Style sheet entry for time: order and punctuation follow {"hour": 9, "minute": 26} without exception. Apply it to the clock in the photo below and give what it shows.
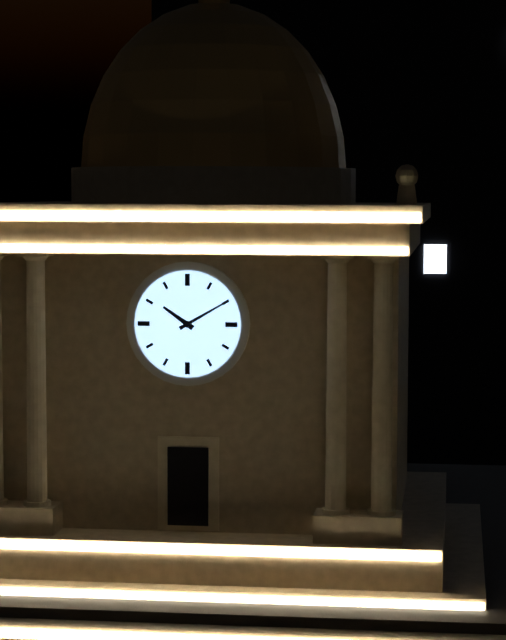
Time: {"hour": 10, "minute": 10}
